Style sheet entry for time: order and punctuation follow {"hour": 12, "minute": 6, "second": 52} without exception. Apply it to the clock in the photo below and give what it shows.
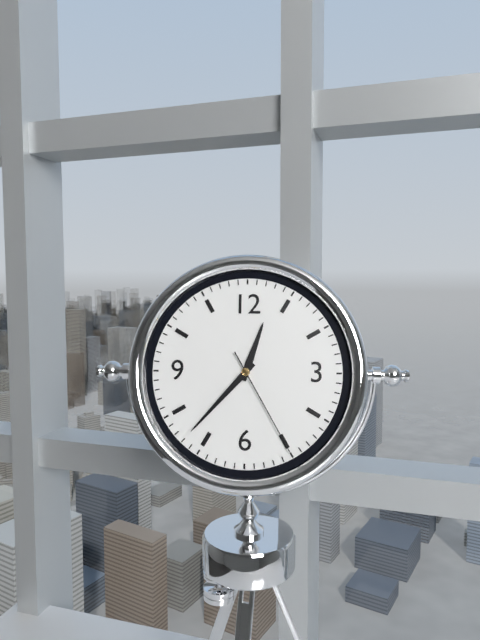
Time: {"hour": 12, "minute": 37, "second": 25}
